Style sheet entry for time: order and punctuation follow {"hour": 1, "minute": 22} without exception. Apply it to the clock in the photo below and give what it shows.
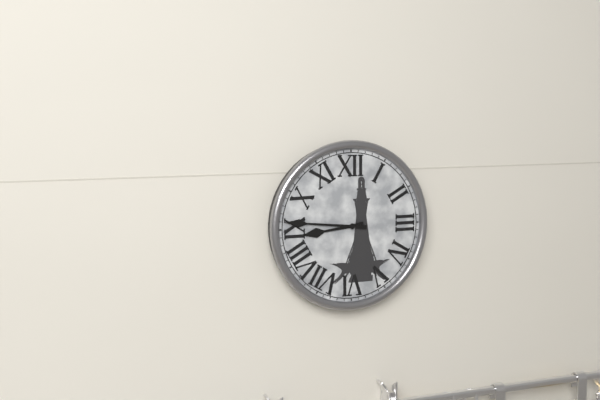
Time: {"hour": 8, "minute": 46}
